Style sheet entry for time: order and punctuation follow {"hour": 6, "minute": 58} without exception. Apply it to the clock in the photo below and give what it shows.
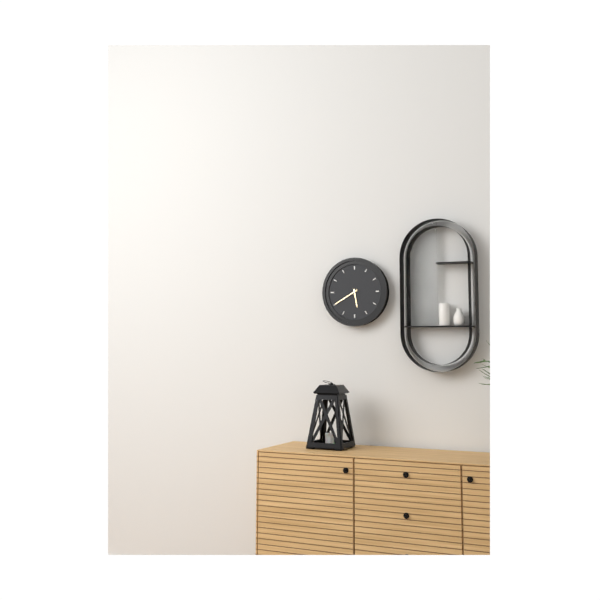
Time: {"hour": 5, "minute": 40}
